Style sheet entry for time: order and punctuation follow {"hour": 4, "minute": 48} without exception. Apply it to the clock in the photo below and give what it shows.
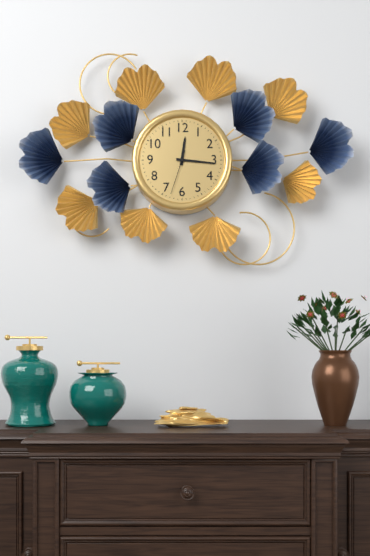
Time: {"hour": 12, "minute": 16}
